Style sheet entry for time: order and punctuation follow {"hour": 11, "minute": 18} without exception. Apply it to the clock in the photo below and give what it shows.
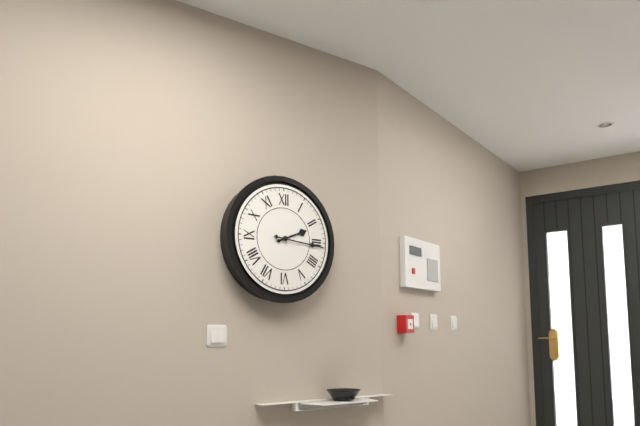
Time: {"hour": 2, "minute": 16}
